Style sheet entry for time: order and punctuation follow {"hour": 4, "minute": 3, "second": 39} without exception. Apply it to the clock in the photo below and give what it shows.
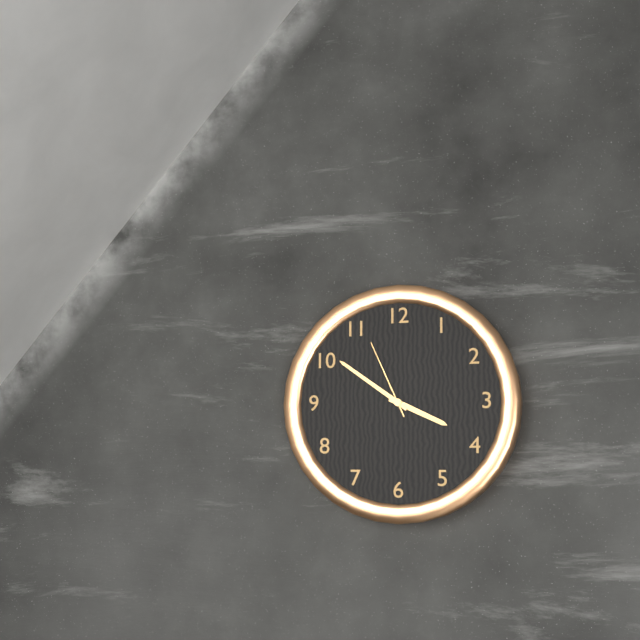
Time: {"hour": 3, "minute": 51, "second": 56}
